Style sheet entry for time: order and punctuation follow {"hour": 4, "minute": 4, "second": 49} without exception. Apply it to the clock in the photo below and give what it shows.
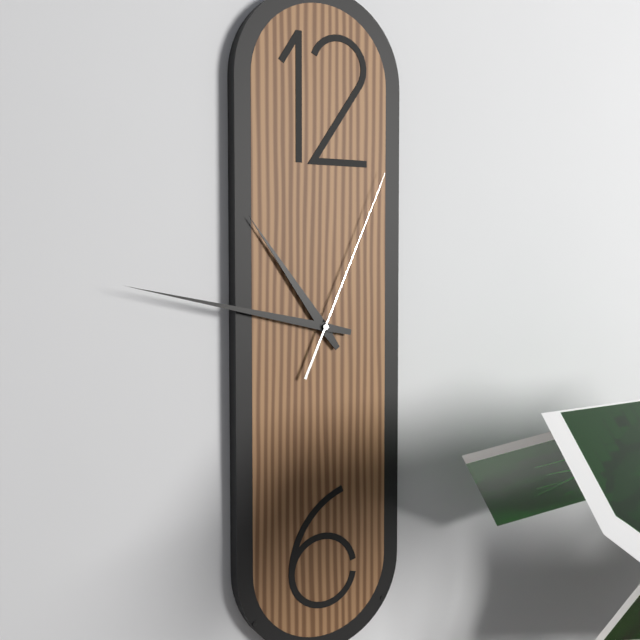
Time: {"hour": 10, "minute": 47, "second": 4}
